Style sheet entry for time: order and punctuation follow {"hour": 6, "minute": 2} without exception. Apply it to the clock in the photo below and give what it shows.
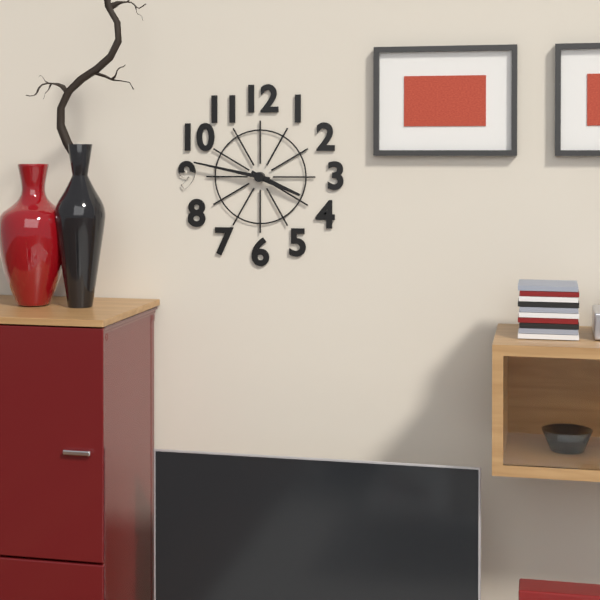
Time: {"hour": 3, "minute": 47}
